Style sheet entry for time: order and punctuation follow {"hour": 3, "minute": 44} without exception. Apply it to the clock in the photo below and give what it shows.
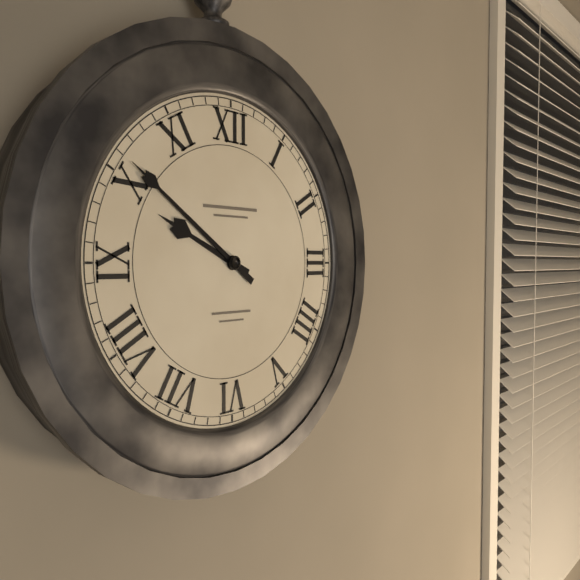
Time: {"hour": 9, "minute": 51}
